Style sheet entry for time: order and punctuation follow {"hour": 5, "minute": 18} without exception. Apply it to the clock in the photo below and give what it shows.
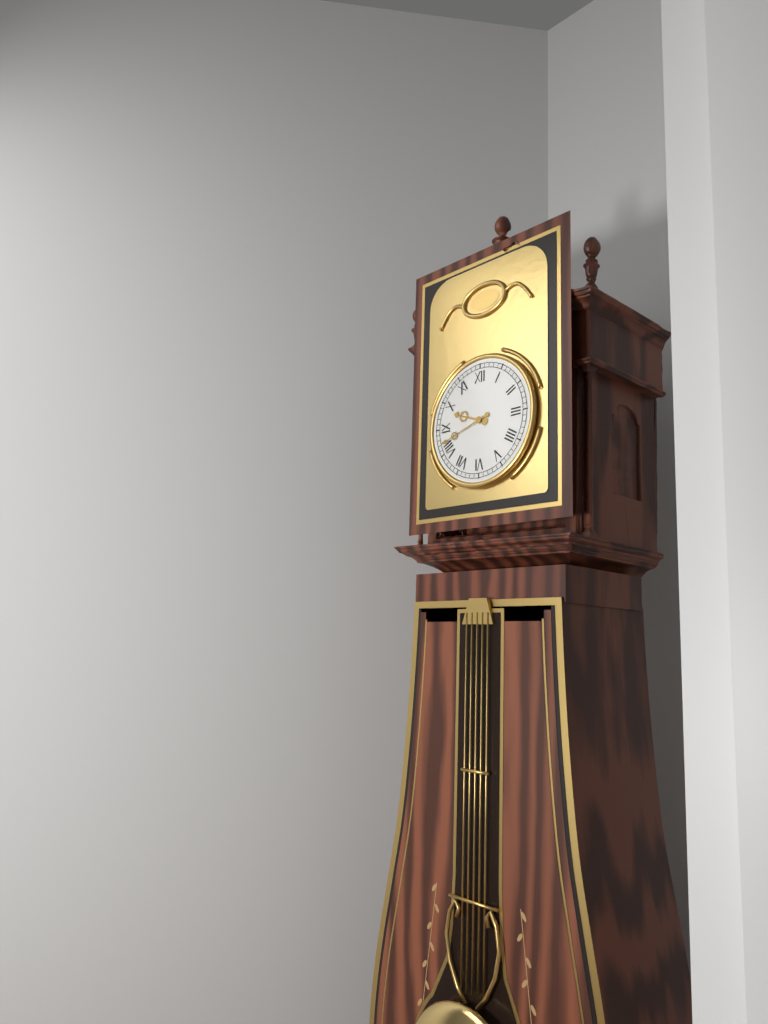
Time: {"hour": 9, "minute": 42}
